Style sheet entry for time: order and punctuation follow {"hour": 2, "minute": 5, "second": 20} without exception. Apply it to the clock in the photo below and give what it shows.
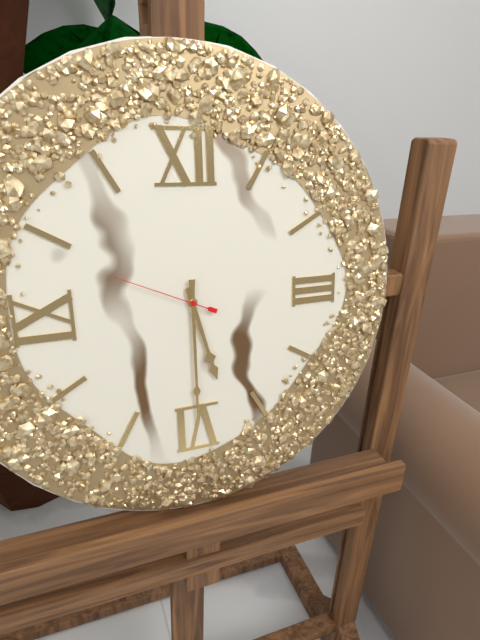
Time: {"hour": 5, "minute": 30, "second": 49}
